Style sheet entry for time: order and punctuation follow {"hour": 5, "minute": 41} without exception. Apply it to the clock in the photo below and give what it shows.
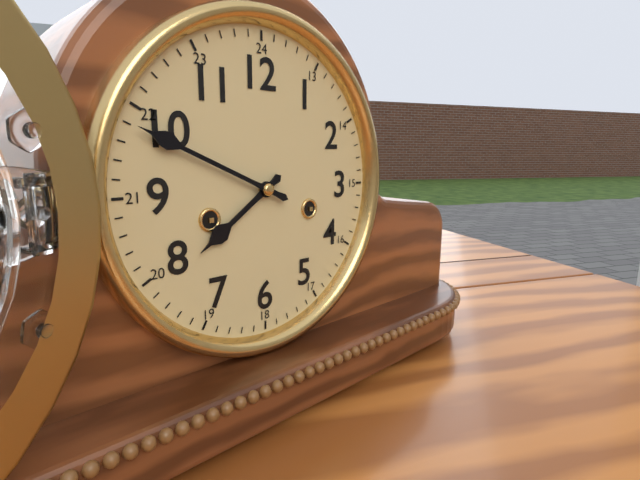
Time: {"hour": 7, "minute": 49}
